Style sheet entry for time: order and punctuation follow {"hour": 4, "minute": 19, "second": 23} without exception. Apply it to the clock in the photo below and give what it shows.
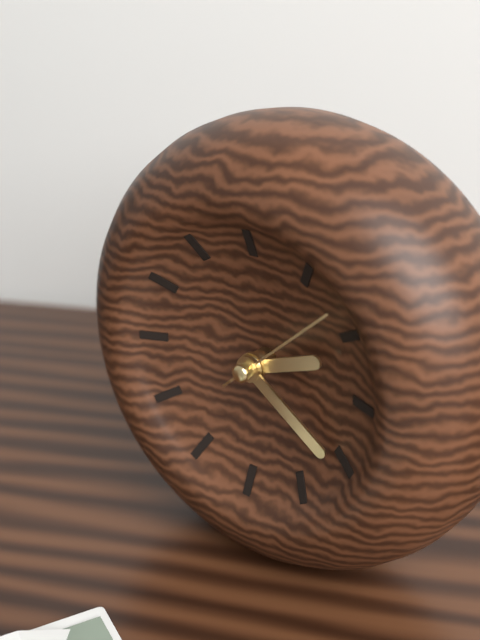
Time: {"hour": 2, "minute": 21, "second": 8}
